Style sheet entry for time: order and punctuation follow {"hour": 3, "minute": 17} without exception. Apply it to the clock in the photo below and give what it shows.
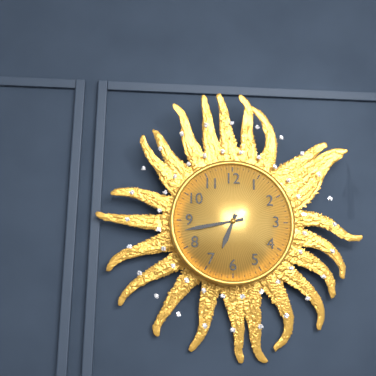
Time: {"hour": 6, "minute": 43}
